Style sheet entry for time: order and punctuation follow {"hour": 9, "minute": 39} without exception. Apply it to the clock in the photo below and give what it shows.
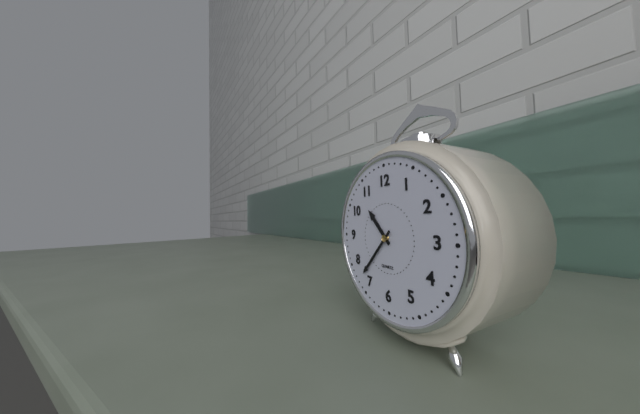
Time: {"hour": 10, "minute": 37}
